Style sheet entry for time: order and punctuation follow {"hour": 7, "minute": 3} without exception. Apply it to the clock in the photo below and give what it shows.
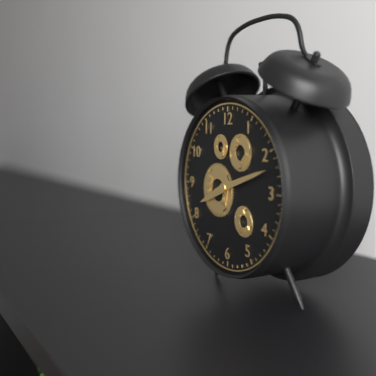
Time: {"hour": 8, "minute": 12}
